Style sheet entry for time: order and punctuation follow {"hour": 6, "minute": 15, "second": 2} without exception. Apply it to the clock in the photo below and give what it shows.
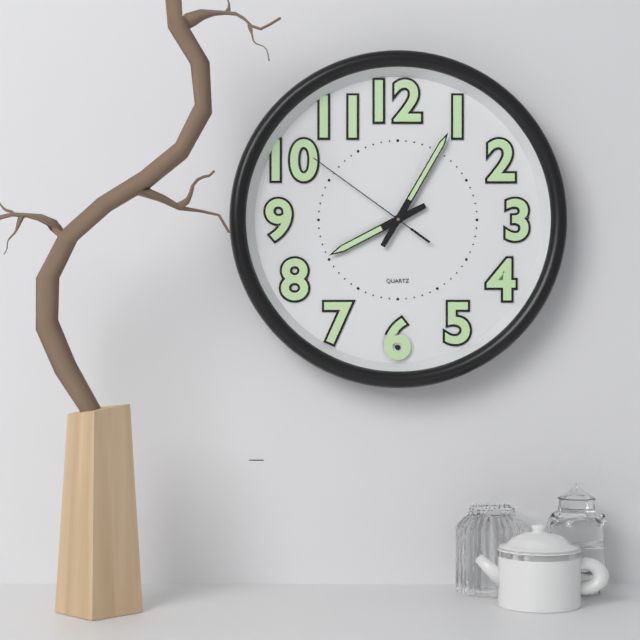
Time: {"hour": 8, "minute": 5, "second": 51}
